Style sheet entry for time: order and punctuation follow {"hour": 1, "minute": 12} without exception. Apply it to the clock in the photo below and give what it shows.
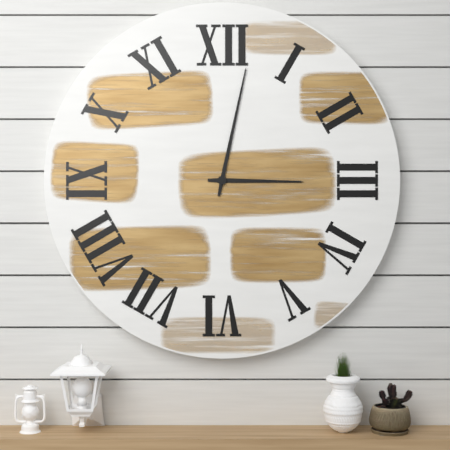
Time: {"hour": 3, "minute": 2}
